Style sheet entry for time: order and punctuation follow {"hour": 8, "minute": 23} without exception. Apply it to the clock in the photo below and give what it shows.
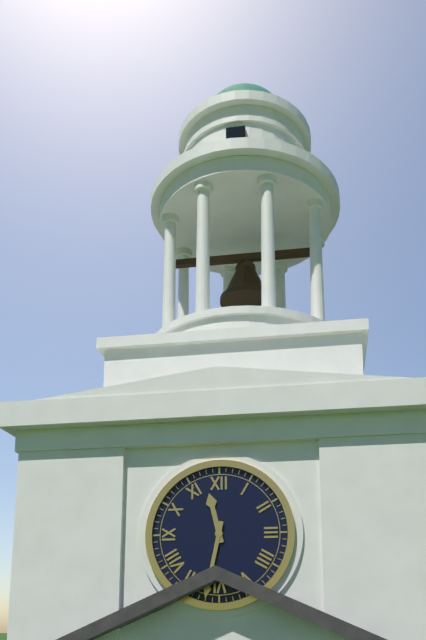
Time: {"hour": 11, "minute": 32}
